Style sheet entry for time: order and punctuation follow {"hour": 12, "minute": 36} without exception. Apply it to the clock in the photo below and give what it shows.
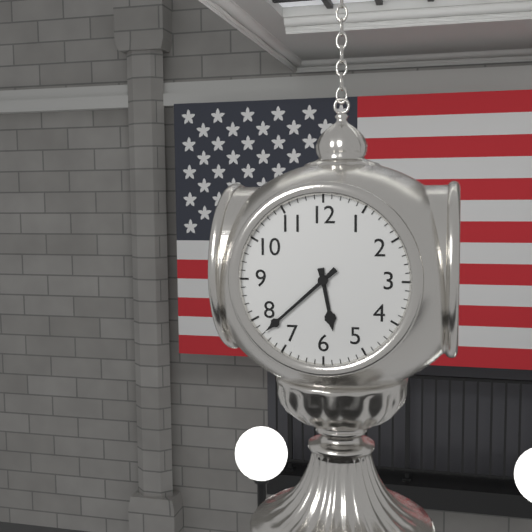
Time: {"hour": 5, "minute": 38}
